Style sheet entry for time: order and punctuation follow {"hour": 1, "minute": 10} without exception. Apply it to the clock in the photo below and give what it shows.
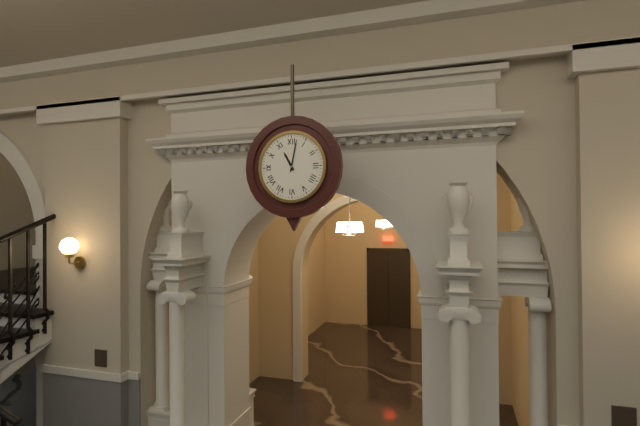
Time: {"hour": 11, "minute": 2}
